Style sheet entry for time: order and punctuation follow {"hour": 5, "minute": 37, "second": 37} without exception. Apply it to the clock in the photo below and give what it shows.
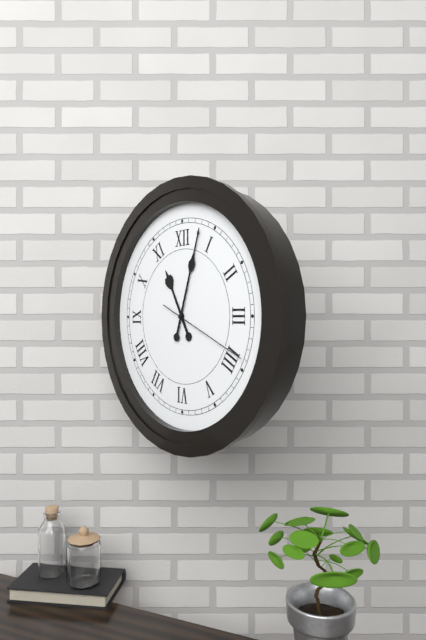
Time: {"hour": 11, "minute": 3, "second": 19}
